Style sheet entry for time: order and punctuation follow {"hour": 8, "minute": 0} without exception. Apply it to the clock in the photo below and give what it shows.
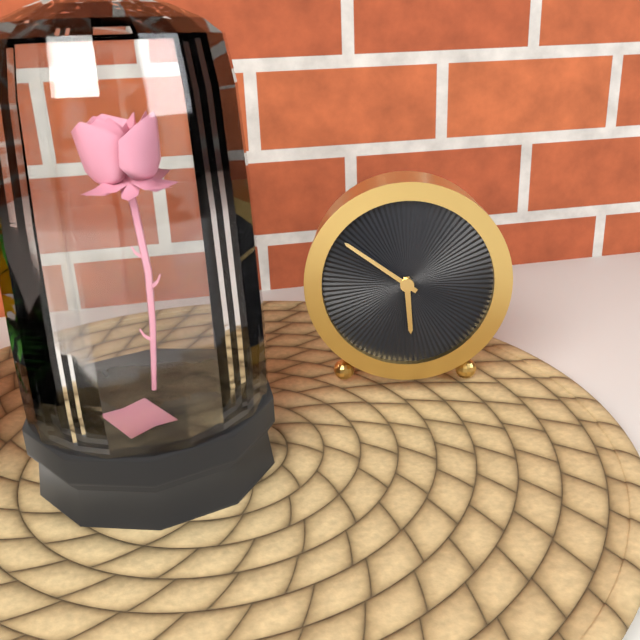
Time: {"hour": 5, "minute": 51}
